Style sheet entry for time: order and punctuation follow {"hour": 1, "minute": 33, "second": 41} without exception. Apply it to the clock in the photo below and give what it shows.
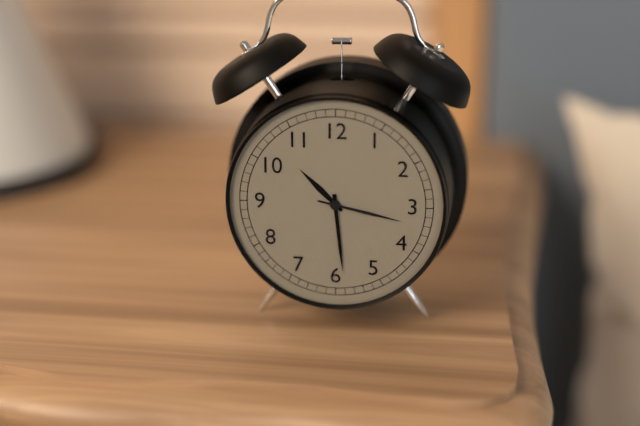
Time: {"hour": 10, "minute": 29, "second": 17}
